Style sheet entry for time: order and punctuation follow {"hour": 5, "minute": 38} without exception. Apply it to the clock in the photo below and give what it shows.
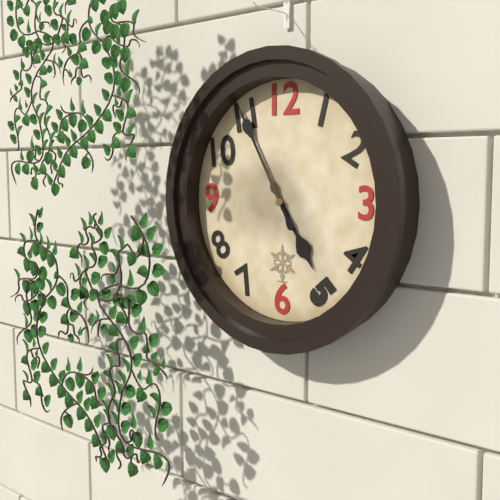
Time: {"hour": 4, "minute": 55}
